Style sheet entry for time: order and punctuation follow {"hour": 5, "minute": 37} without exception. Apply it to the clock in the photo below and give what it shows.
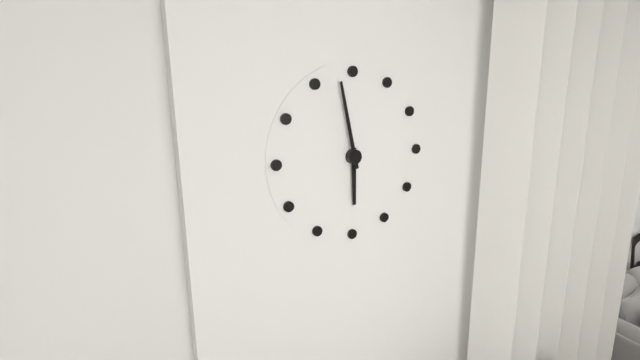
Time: {"hour": 5, "minute": 58}
